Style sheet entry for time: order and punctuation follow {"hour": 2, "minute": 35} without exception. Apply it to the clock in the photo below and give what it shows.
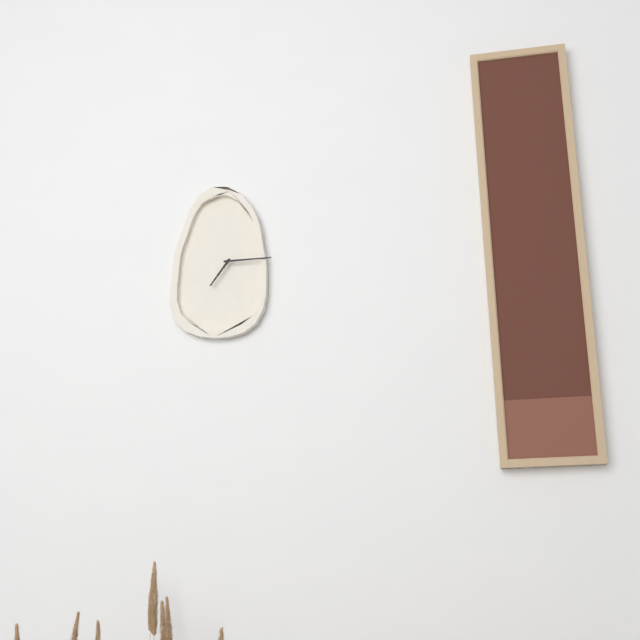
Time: {"hour": 7, "minute": 15}
